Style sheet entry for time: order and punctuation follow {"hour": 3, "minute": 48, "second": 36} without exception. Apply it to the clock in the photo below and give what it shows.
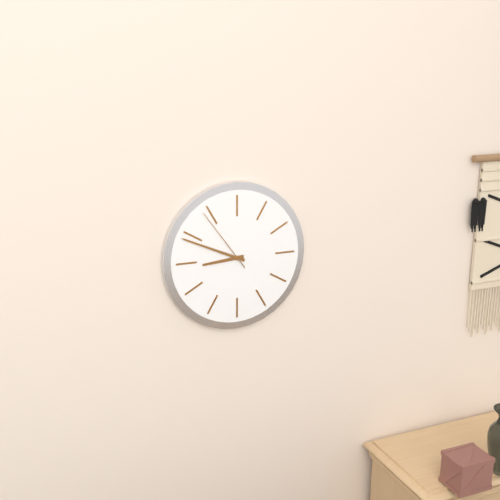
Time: {"hour": 8, "minute": 49, "second": 54}
